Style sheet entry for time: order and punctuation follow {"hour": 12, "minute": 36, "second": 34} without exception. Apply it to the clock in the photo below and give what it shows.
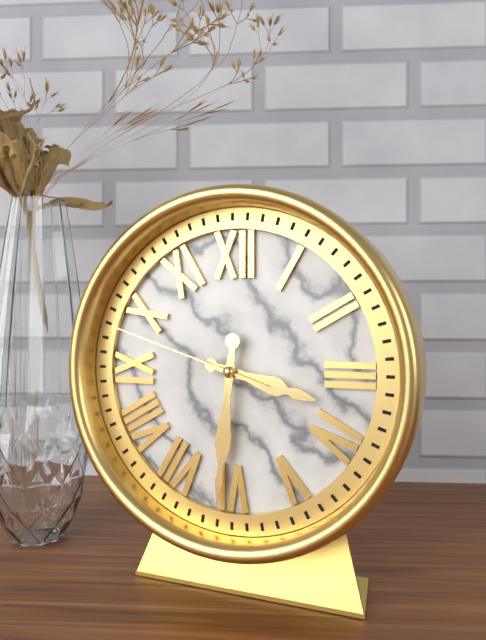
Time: {"hour": 3, "minute": 31, "second": 48}
